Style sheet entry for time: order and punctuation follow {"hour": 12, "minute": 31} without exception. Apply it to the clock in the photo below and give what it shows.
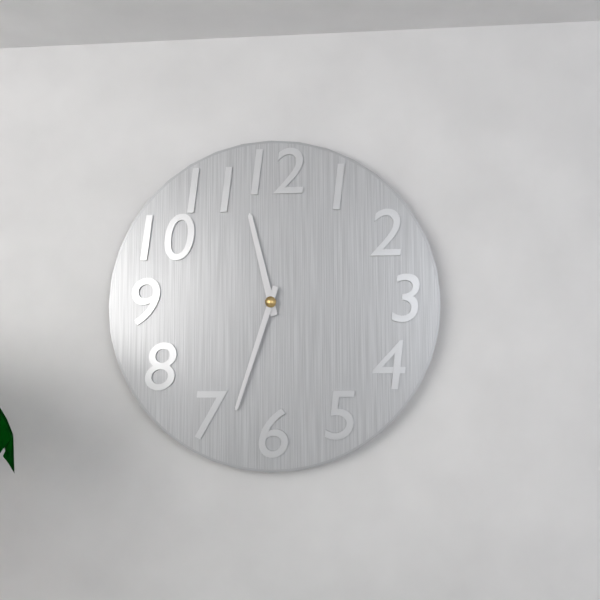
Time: {"hour": 11, "minute": 33}
